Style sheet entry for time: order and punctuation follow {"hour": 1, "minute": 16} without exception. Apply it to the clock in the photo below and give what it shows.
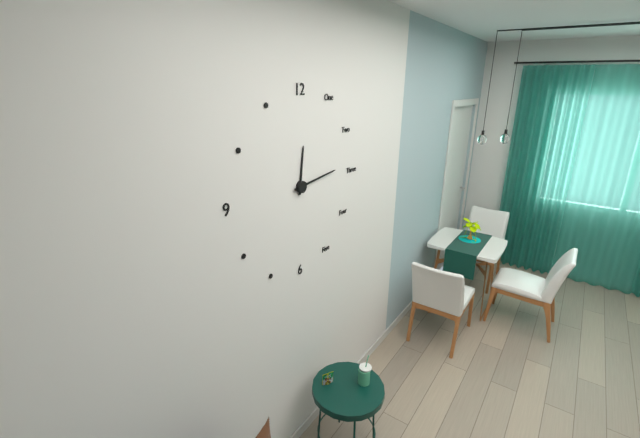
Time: {"hour": 12, "minute": 14}
